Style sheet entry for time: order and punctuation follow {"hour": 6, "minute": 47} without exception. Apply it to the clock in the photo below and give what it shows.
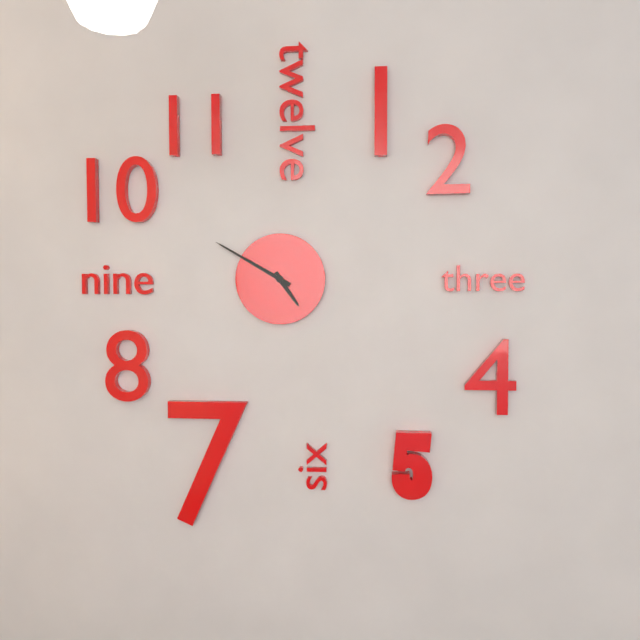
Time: {"hour": 4, "minute": 50}
